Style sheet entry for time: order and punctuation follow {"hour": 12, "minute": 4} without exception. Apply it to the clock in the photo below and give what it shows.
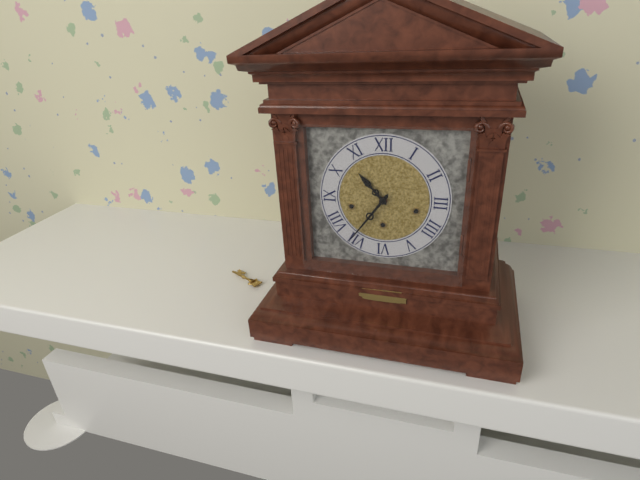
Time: {"hour": 10, "minute": 36}
